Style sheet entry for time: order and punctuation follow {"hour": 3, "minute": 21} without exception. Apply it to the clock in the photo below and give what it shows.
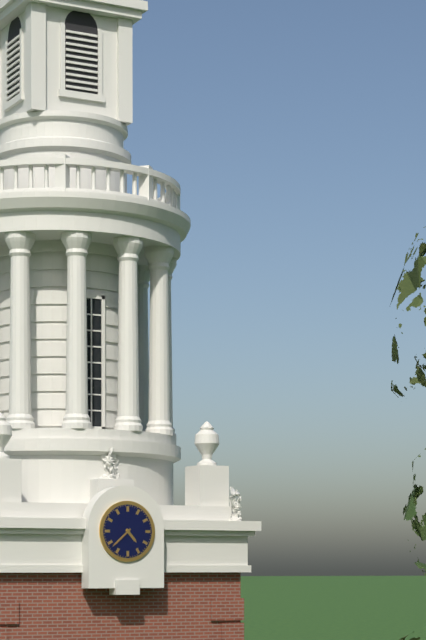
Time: {"hour": 4, "minute": 38}
